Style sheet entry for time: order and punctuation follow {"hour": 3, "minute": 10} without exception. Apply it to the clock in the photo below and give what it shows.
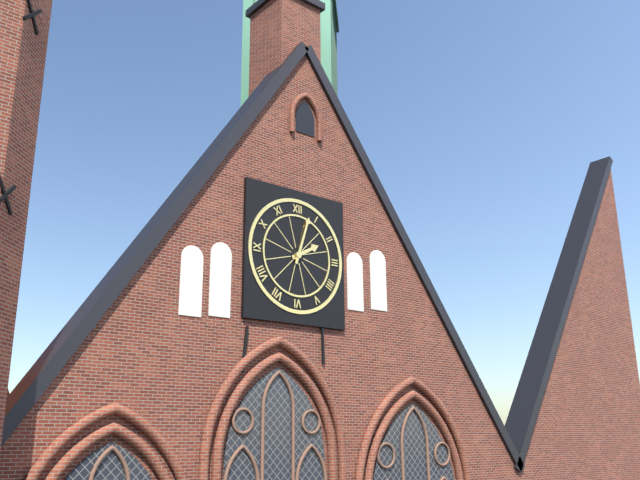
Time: {"hour": 2, "minute": 3}
